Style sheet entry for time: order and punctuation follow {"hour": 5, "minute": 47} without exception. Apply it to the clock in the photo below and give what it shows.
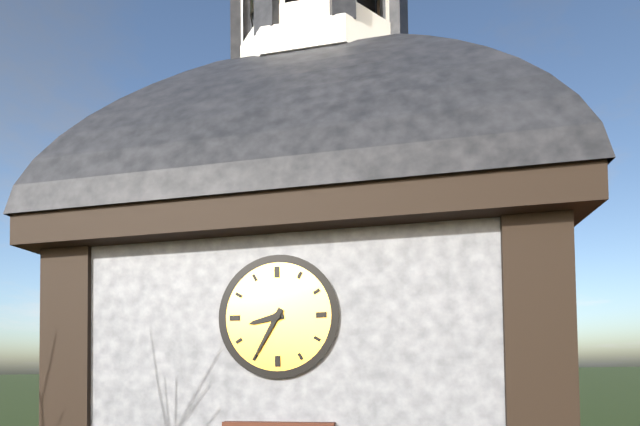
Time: {"hour": 8, "minute": 35}
